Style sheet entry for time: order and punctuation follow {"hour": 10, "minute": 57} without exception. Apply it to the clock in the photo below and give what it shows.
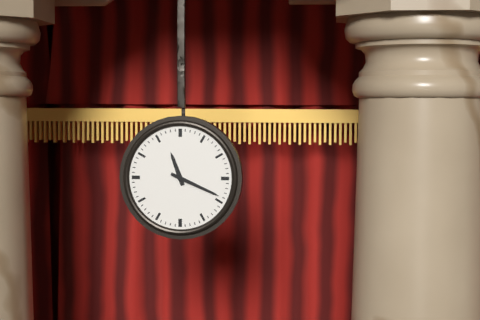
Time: {"hour": 11, "minute": 19}
